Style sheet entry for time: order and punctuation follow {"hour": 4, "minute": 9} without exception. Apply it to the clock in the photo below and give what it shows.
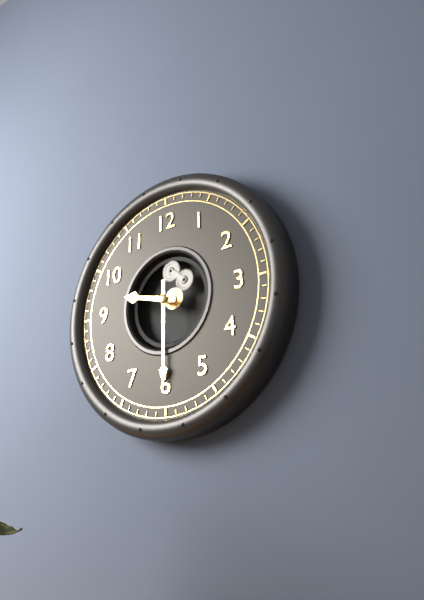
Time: {"hour": 9, "minute": 30}
